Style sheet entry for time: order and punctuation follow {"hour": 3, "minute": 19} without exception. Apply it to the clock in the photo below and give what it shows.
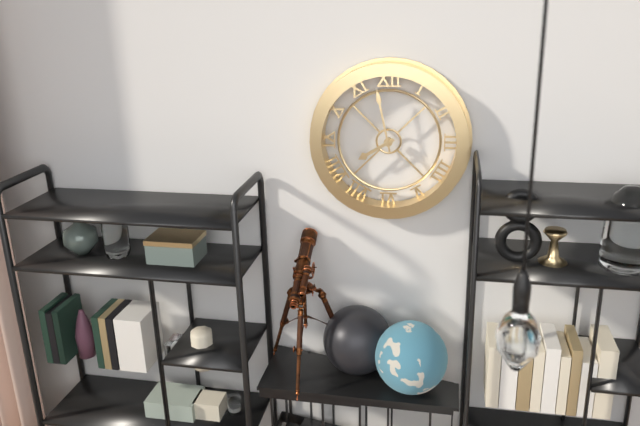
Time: {"hour": 7, "minute": 58}
